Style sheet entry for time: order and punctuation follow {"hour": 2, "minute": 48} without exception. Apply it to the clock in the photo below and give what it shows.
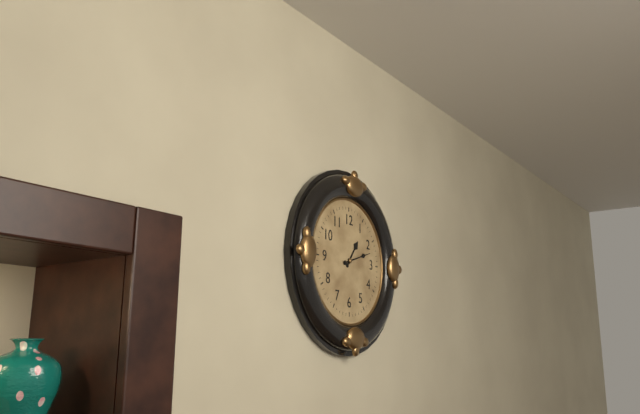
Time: {"hour": 1, "minute": 12}
